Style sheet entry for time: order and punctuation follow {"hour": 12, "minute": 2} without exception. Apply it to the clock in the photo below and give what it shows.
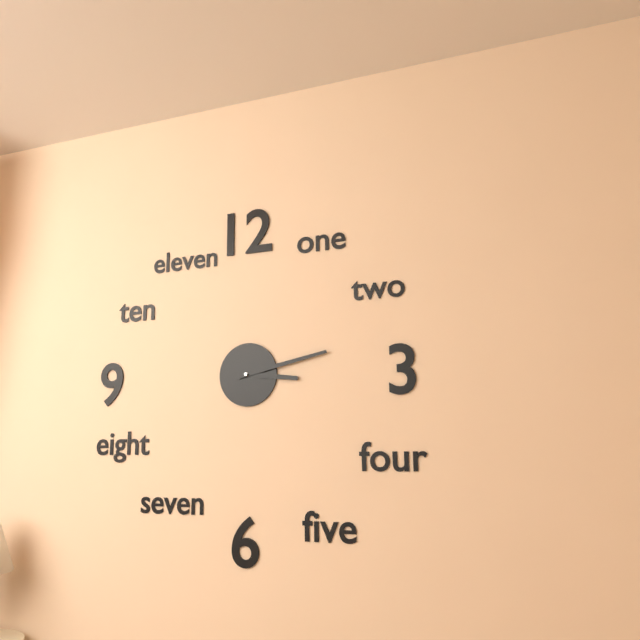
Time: {"hour": 3, "minute": 13}
